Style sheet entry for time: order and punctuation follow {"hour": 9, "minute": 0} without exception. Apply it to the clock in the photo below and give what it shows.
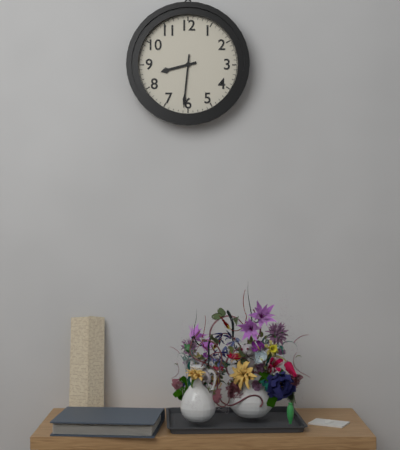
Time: {"hour": 8, "minute": 31}
